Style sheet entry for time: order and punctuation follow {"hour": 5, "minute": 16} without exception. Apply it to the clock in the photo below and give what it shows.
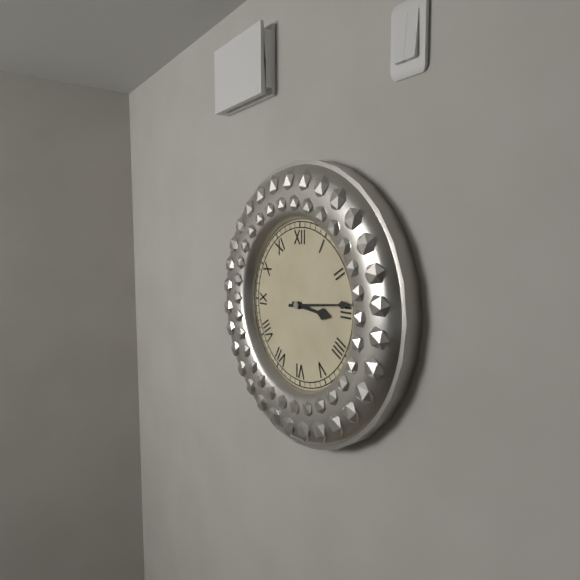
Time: {"hour": 3, "minute": 14}
